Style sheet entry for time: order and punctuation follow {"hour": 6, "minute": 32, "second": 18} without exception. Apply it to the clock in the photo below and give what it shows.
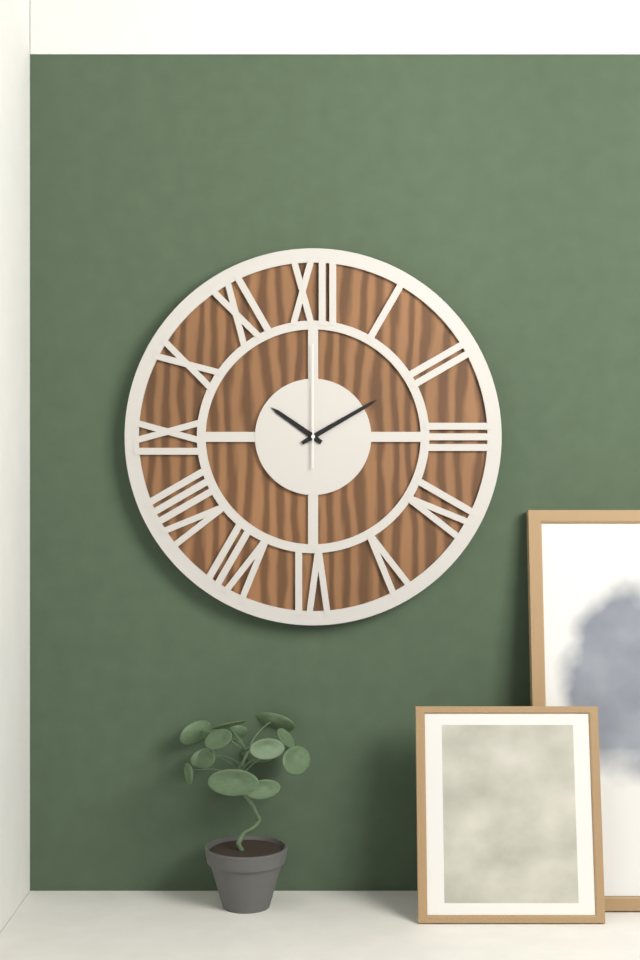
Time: {"hour": 10, "minute": 10, "second": 0}
